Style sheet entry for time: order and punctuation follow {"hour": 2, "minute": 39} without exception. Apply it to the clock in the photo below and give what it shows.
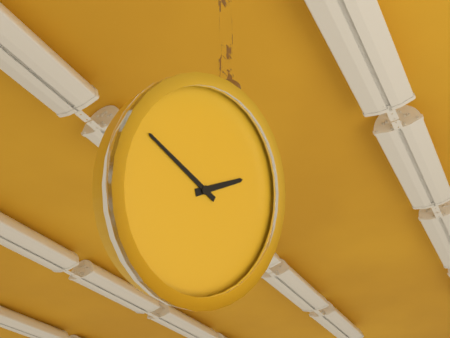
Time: {"hour": 1, "minute": 47}
